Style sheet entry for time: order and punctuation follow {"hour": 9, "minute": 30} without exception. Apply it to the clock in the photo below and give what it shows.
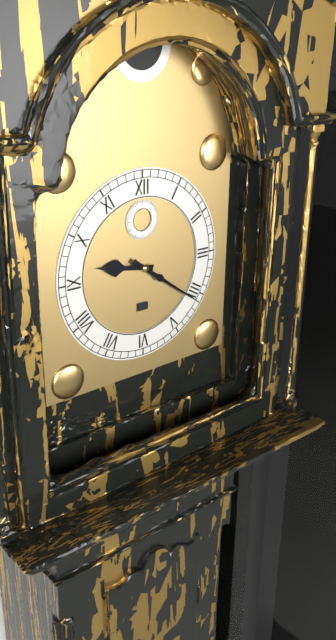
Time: {"hour": 9, "minute": 21}
